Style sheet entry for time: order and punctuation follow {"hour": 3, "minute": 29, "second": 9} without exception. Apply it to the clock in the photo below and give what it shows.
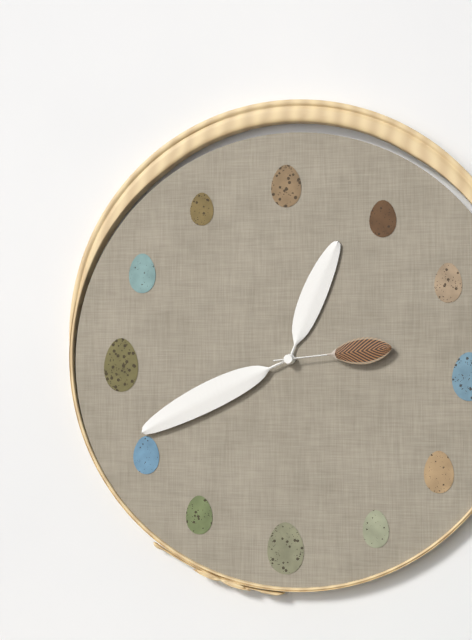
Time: {"hour": 12, "minute": 41, "second": 14}
